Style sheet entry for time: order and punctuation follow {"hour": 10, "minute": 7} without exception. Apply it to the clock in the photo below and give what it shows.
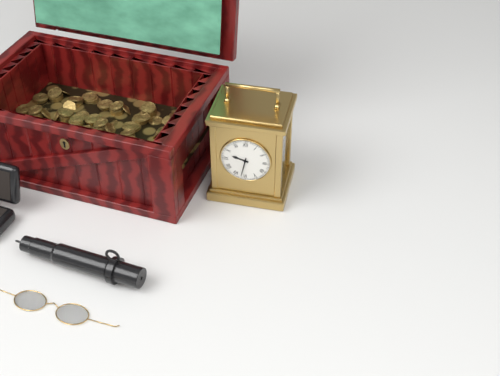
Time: {"hour": 9, "minute": 32}
